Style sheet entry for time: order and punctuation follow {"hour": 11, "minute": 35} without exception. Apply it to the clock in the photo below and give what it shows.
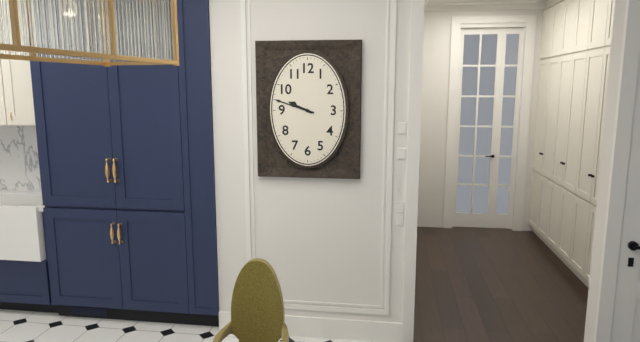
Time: {"hour": 9, "minute": 48}
